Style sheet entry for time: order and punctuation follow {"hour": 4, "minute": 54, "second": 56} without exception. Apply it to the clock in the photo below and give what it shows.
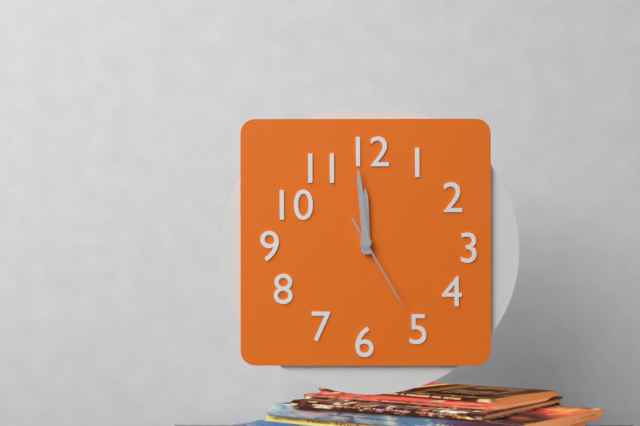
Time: {"hour": 11, "minute": 59, "second": 25}
